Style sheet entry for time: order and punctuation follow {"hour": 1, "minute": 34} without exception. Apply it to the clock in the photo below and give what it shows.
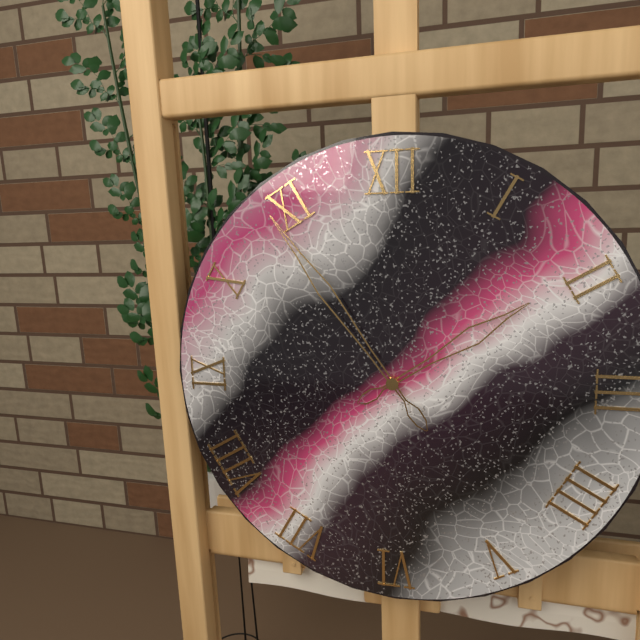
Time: {"hour": 1, "minute": 54}
